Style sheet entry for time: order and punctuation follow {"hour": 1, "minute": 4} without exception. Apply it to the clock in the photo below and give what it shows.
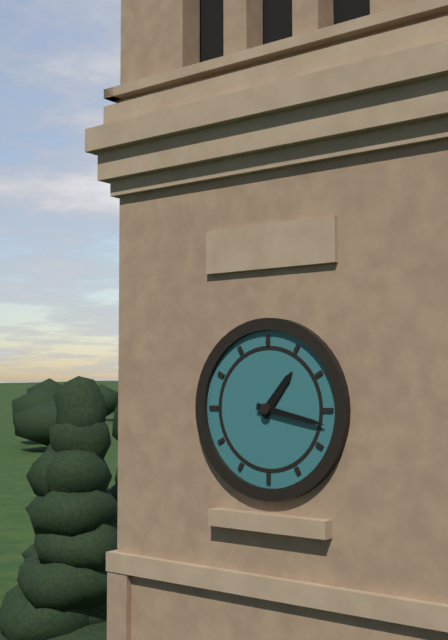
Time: {"hour": 1, "minute": 17}
